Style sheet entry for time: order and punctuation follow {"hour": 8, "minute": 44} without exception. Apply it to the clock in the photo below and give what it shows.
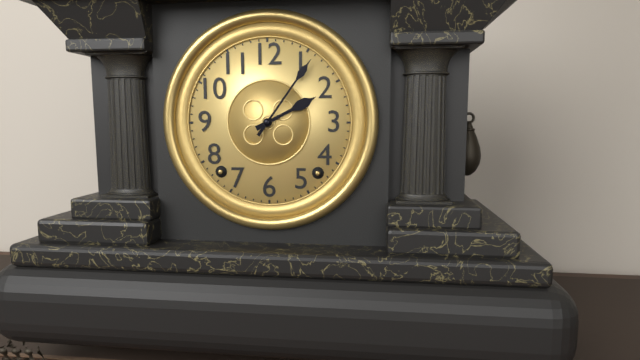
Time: {"hour": 2, "minute": 6}
